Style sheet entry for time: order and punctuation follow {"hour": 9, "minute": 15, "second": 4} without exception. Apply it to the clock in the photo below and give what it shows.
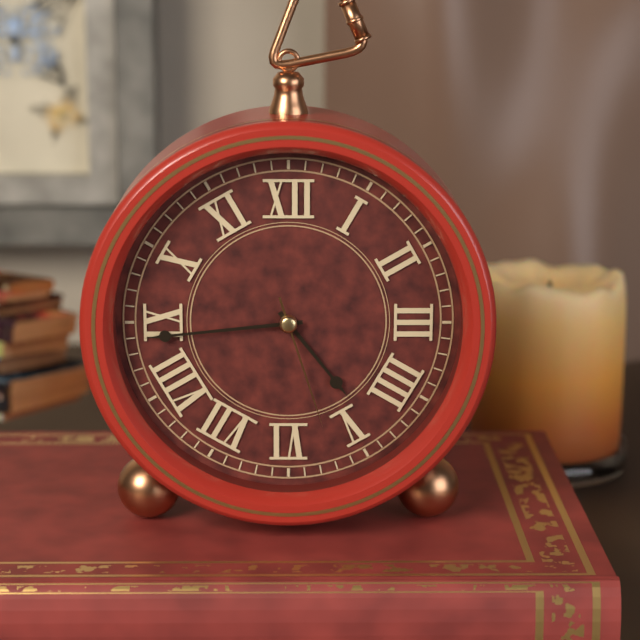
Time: {"hour": 4, "minute": 44, "second": 27}
